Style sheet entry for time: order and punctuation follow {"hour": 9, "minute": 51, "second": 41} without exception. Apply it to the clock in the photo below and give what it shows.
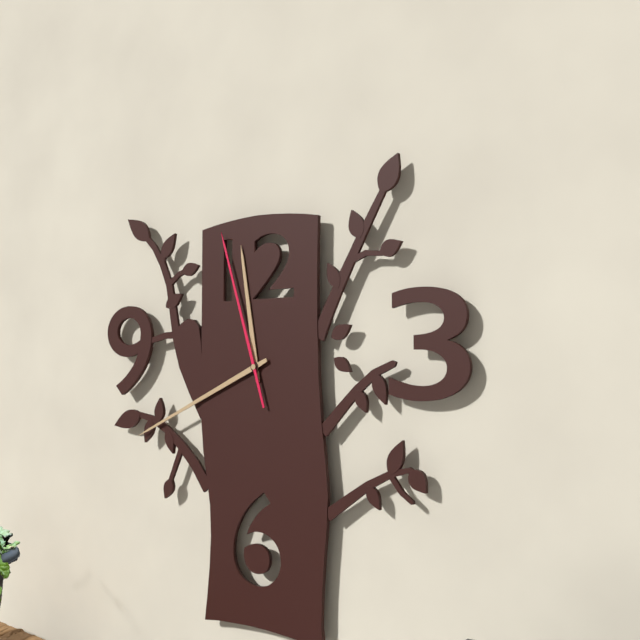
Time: {"hour": 11, "minute": 41, "second": 57}
